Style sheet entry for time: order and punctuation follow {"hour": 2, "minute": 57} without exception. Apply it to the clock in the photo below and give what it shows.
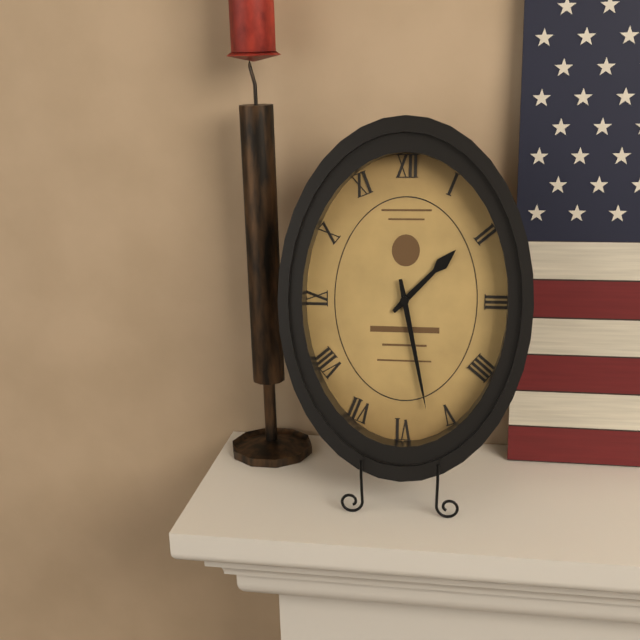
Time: {"hour": 1, "minute": 28}
